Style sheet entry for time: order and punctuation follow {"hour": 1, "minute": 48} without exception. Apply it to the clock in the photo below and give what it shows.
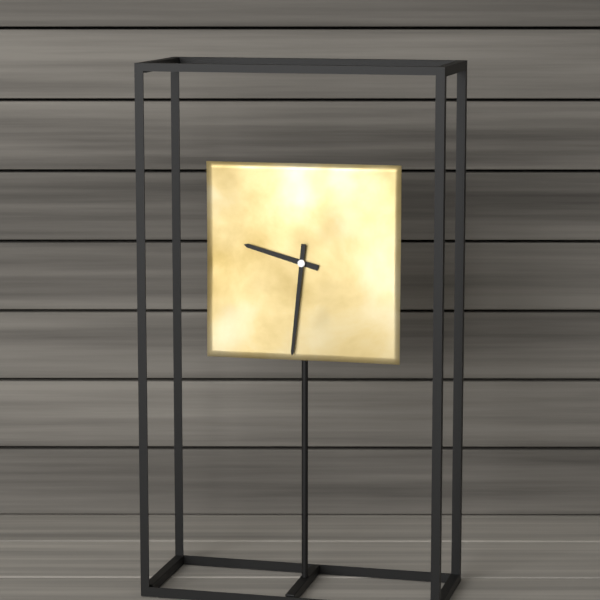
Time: {"hour": 9, "minute": 31}
